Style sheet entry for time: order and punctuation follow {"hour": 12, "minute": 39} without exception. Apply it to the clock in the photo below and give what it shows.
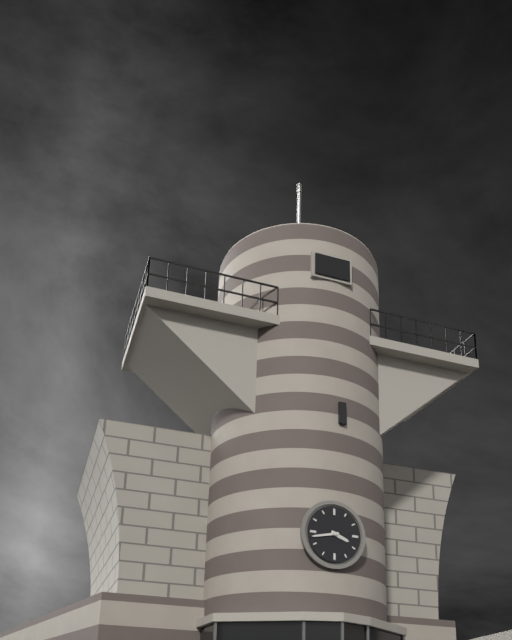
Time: {"hour": 3, "minute": 43}
